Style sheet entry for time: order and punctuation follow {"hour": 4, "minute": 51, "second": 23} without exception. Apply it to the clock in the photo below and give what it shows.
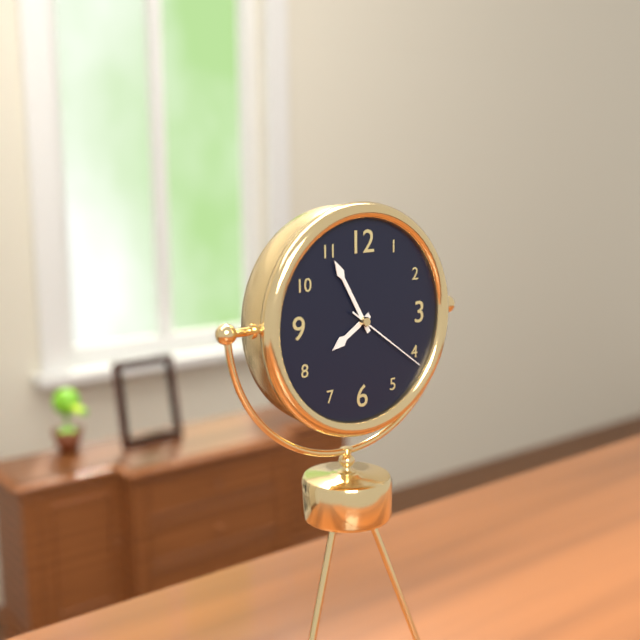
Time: {"hour": 7, "minute": 55, "second": 21}
